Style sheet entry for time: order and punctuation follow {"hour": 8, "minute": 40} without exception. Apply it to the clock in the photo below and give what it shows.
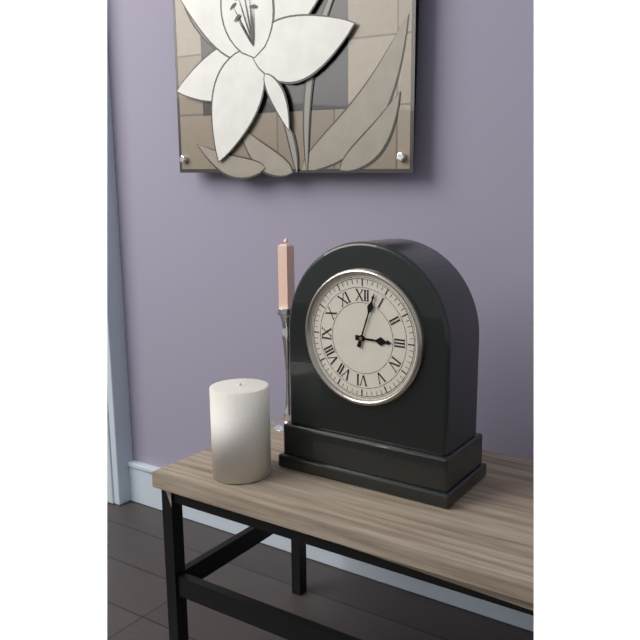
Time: {"hour": 3, "minute": 3}
